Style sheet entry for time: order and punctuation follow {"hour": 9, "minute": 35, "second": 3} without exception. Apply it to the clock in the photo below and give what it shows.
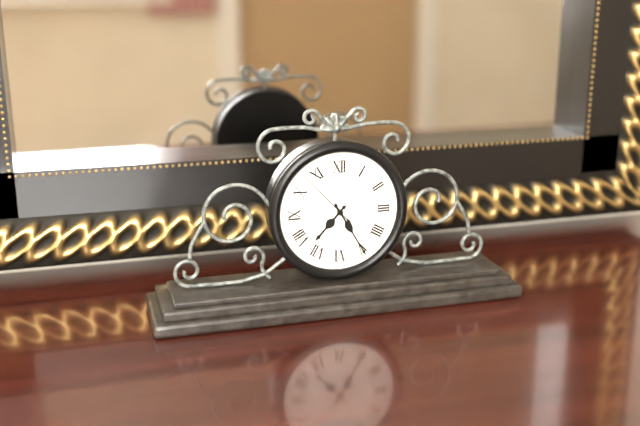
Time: {"hour": 7, "minute": 25, "second": 53}
